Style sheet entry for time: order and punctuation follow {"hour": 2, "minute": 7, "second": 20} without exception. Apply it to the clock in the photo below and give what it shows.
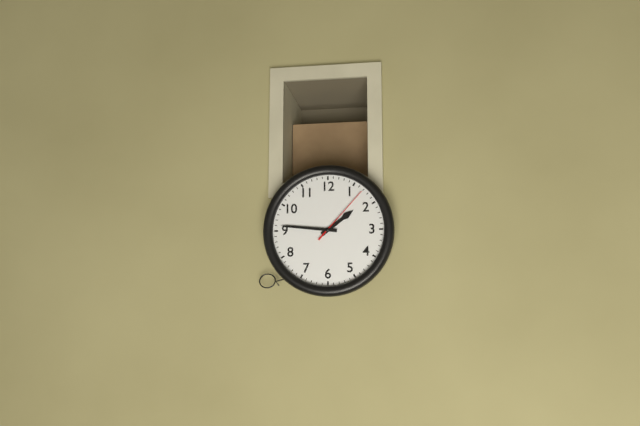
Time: {"hour": 1, "minute": 46, "second": 7}
